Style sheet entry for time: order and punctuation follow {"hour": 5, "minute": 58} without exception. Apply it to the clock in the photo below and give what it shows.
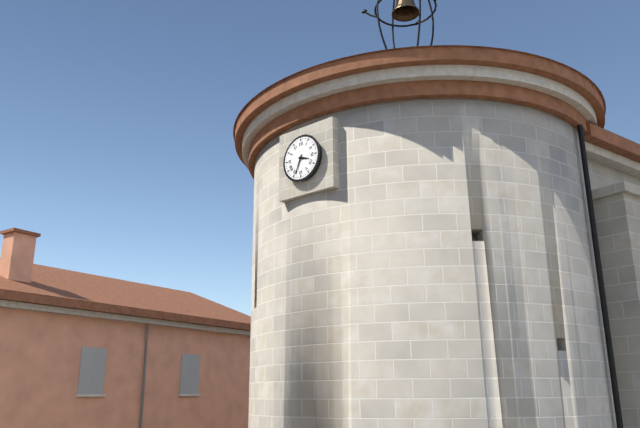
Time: {"hour": 3, "minute": 34}
